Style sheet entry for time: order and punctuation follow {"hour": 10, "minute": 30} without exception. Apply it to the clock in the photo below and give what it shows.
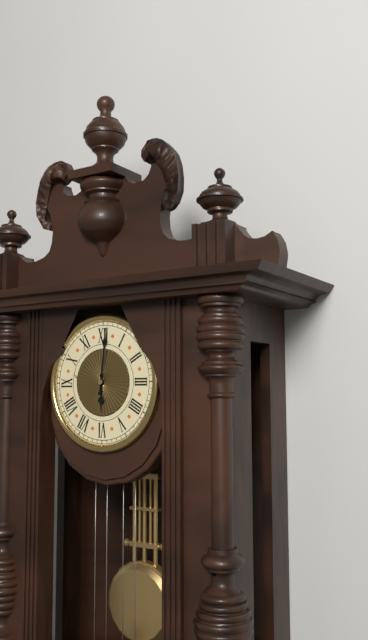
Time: {"hour": 6, "minute": 1}
